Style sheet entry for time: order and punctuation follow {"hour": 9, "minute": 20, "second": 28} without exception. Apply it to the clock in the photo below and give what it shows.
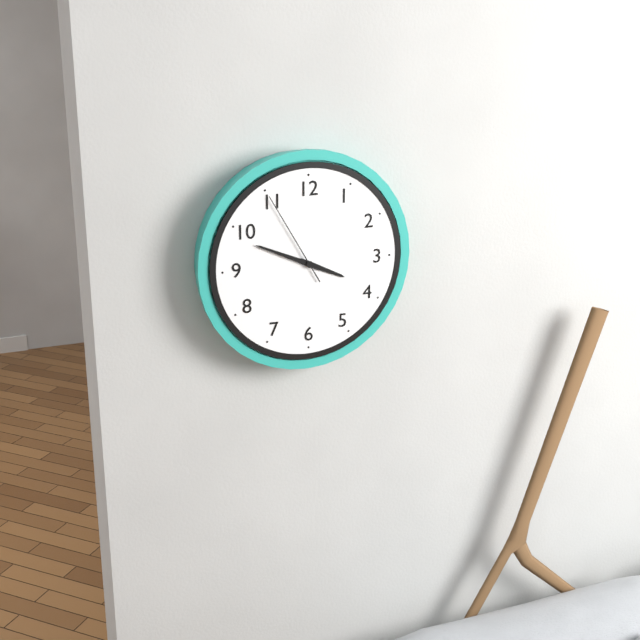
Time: {"hour": 3, "minute": 49, "second": 55}
